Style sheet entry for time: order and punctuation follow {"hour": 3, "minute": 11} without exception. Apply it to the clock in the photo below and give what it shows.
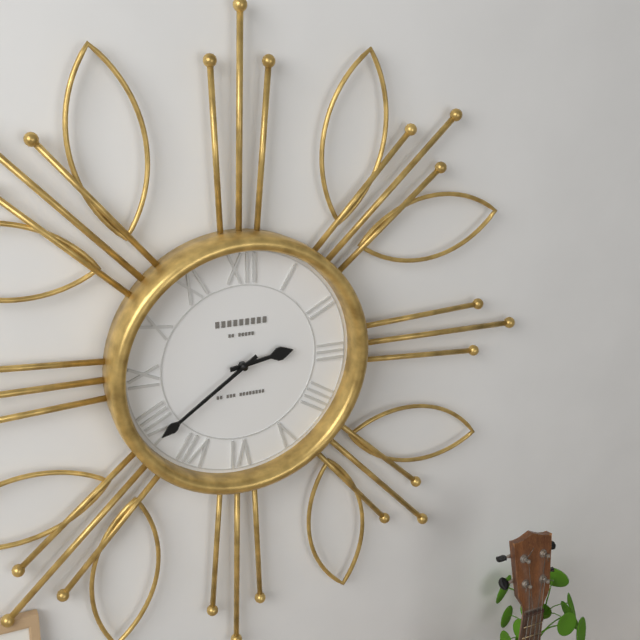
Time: {"hour": 2, "minute": 39}
